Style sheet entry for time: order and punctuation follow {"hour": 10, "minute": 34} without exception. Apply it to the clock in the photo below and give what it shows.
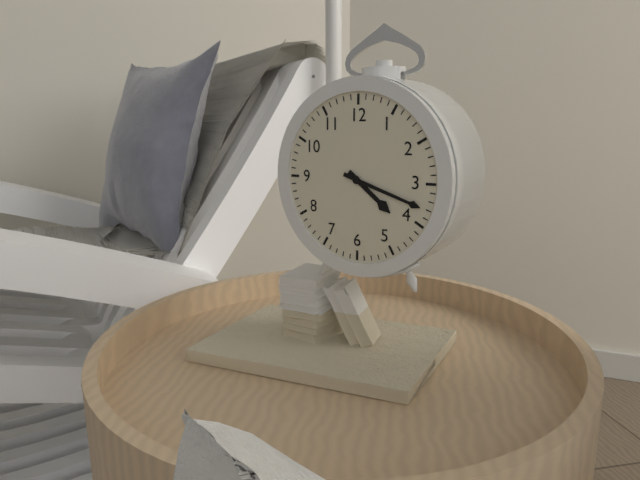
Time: {"hour": 4, "minute": 18}
